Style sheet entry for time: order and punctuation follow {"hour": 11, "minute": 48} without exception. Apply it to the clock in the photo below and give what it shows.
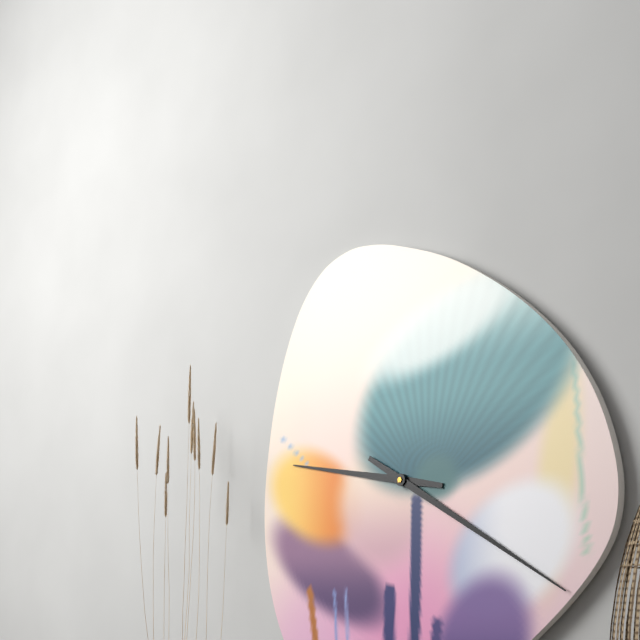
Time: {"hour": 9, "minute": 20}
